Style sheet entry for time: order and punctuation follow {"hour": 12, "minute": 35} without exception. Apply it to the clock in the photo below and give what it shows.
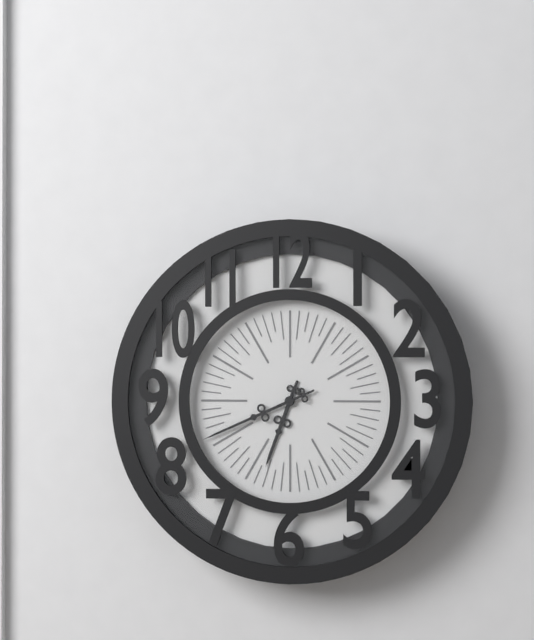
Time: {"hour": 6, "minute": 41}
